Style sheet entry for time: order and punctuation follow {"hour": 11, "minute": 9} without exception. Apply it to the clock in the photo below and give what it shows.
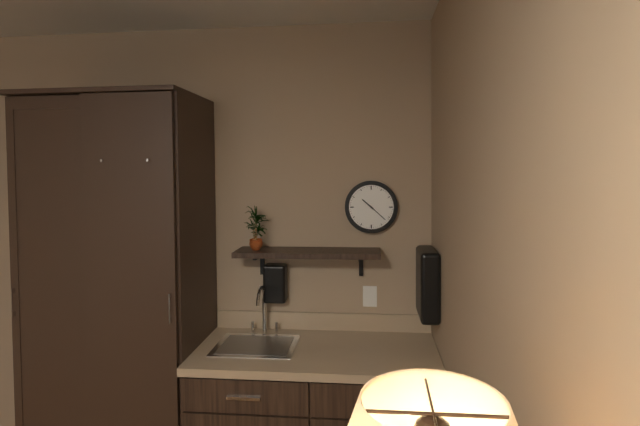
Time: {"hour": 10, "minute": 22}
